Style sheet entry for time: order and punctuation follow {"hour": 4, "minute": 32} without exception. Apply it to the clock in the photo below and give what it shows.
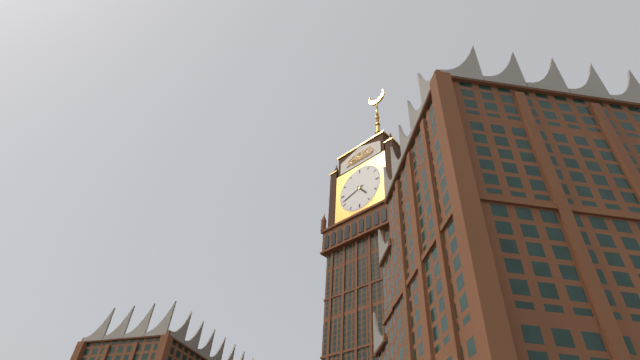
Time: {"hour": 4, "minute": 42}
